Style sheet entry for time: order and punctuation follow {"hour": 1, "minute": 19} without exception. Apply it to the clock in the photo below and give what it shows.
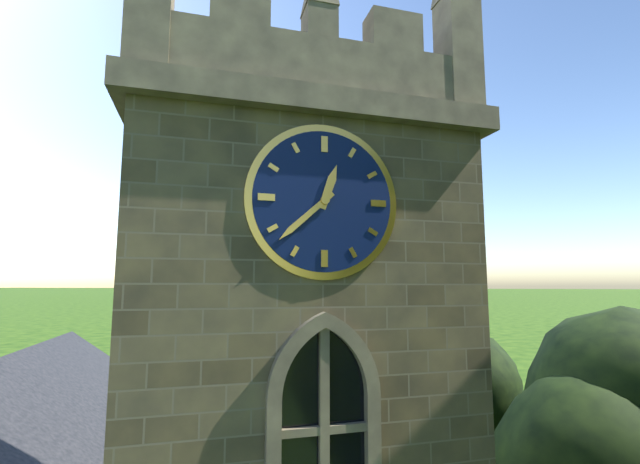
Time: {"hour": 12, "minute": 38}
